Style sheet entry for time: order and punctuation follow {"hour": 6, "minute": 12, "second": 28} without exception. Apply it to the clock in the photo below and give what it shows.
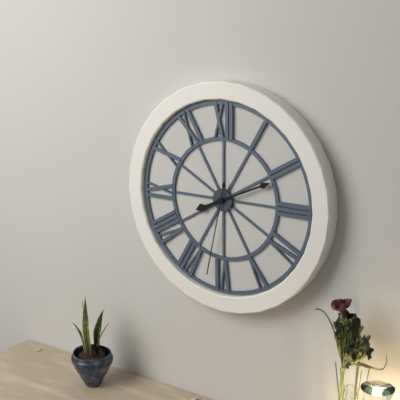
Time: {"hour": 8, "minute": 11, "second": 32}
